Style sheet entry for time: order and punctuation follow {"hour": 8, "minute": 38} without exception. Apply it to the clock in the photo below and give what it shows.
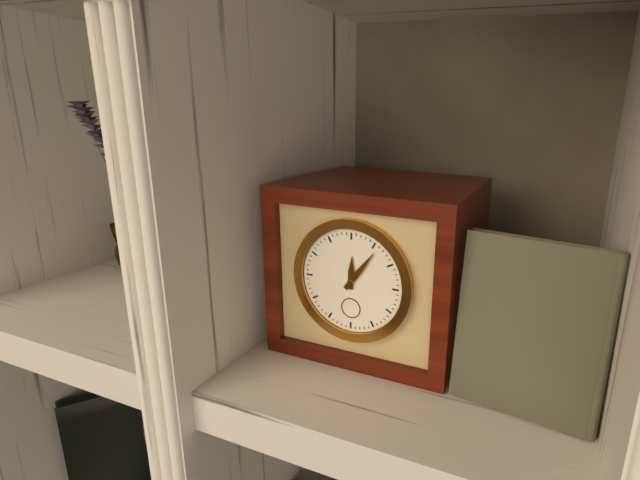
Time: {"hour": 12, "minute": 6}
